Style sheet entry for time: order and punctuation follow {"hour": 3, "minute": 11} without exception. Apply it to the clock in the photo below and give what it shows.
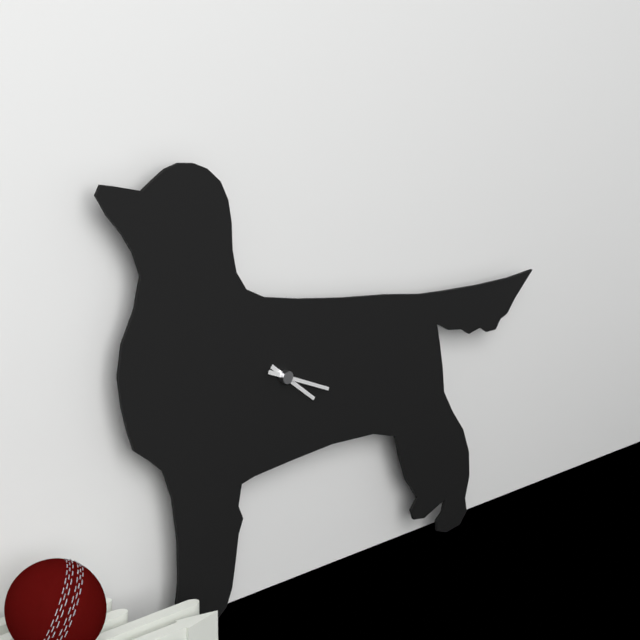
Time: {"hour": 4, "minute": 19}
